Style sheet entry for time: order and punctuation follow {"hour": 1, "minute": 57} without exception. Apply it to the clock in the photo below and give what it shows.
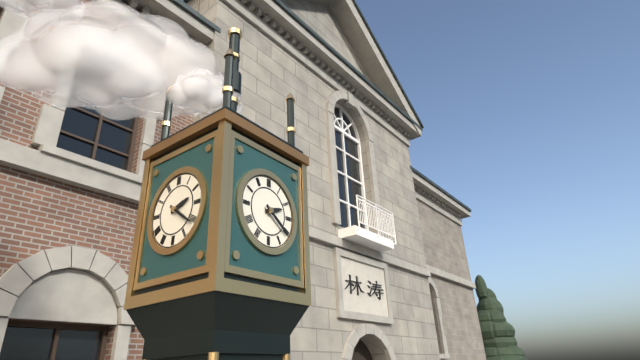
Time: {"hour": 2, "minute": 21}
